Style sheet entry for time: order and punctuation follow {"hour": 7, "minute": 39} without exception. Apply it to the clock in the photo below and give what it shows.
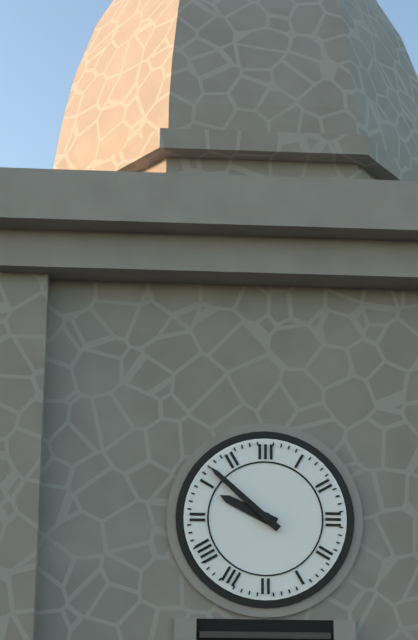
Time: {"hour": 9, "minute": 52}
